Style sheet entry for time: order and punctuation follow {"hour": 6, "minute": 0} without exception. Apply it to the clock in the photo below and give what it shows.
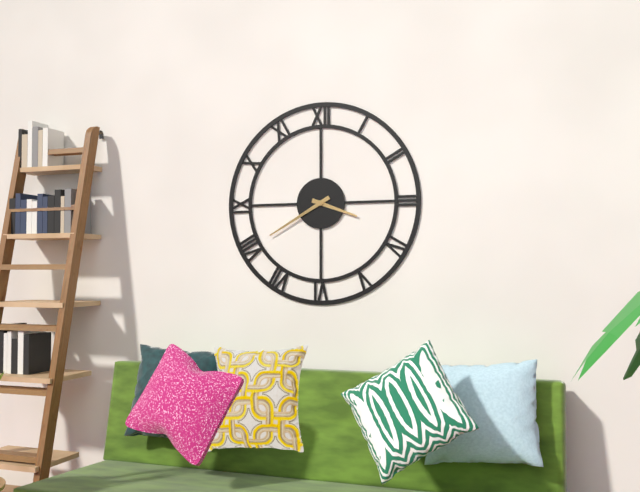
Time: {"hour": 3, "minute": 40}
